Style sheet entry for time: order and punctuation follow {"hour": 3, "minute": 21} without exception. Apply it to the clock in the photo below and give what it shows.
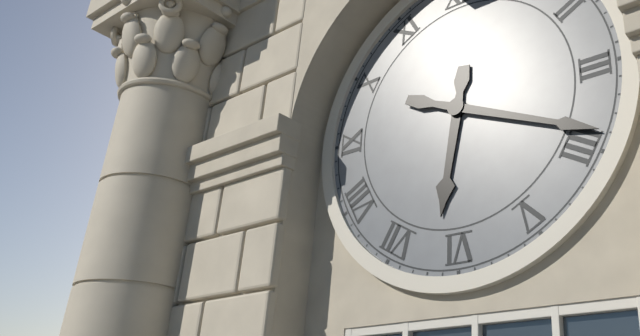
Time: {"hour": 6, "minute": 19}
